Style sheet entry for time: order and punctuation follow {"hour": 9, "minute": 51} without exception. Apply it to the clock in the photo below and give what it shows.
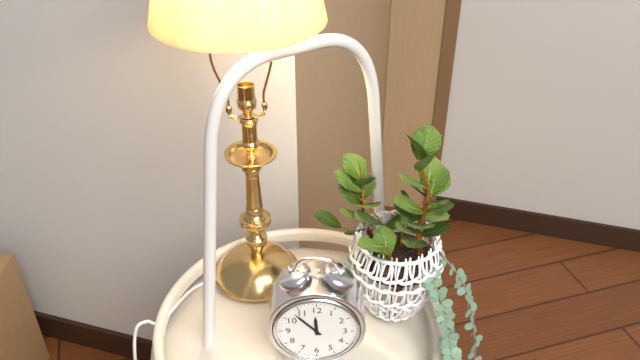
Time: {"hour": 11, "minute": 53}
